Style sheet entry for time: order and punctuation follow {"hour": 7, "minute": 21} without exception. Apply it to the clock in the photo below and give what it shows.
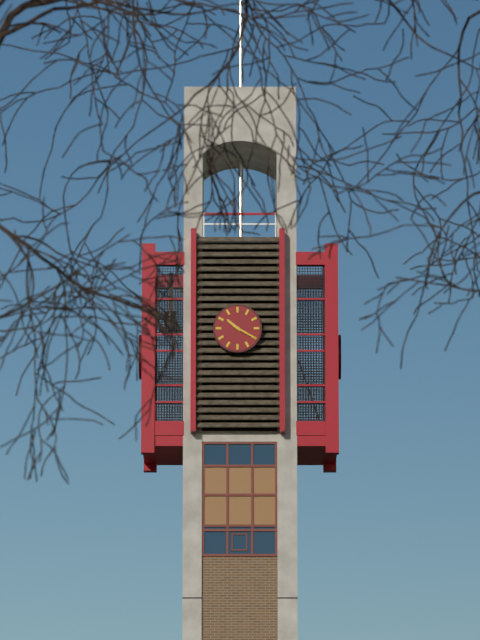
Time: {"hour": 10, "minute": 20}
